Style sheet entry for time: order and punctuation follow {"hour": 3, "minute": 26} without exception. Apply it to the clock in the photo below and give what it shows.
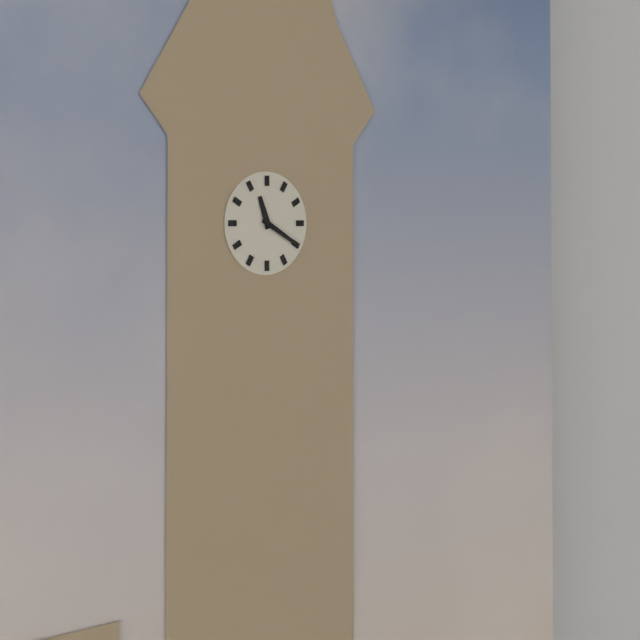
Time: {"hour": 11, "minute": 20}
